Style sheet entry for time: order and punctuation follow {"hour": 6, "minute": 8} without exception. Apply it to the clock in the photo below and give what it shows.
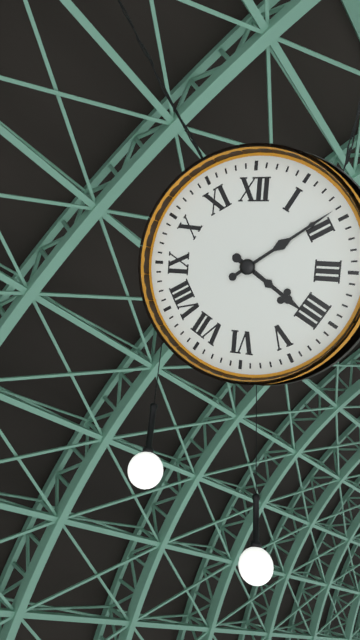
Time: {"hour": 4, "minute": 9}
